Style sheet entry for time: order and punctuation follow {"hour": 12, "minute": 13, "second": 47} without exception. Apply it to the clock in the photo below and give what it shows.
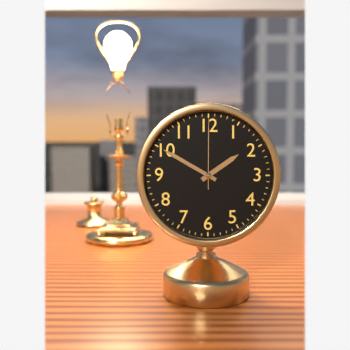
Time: {"hour": 1, "minute": 50, "second": 0}
